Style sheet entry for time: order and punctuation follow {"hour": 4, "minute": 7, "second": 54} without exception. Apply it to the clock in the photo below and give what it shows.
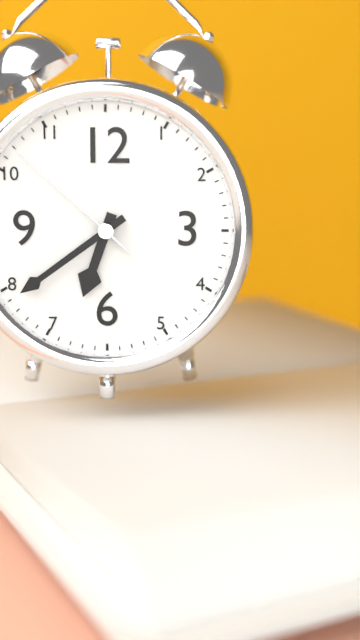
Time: {"hour": 6, "minute": 39, "second": 52}
